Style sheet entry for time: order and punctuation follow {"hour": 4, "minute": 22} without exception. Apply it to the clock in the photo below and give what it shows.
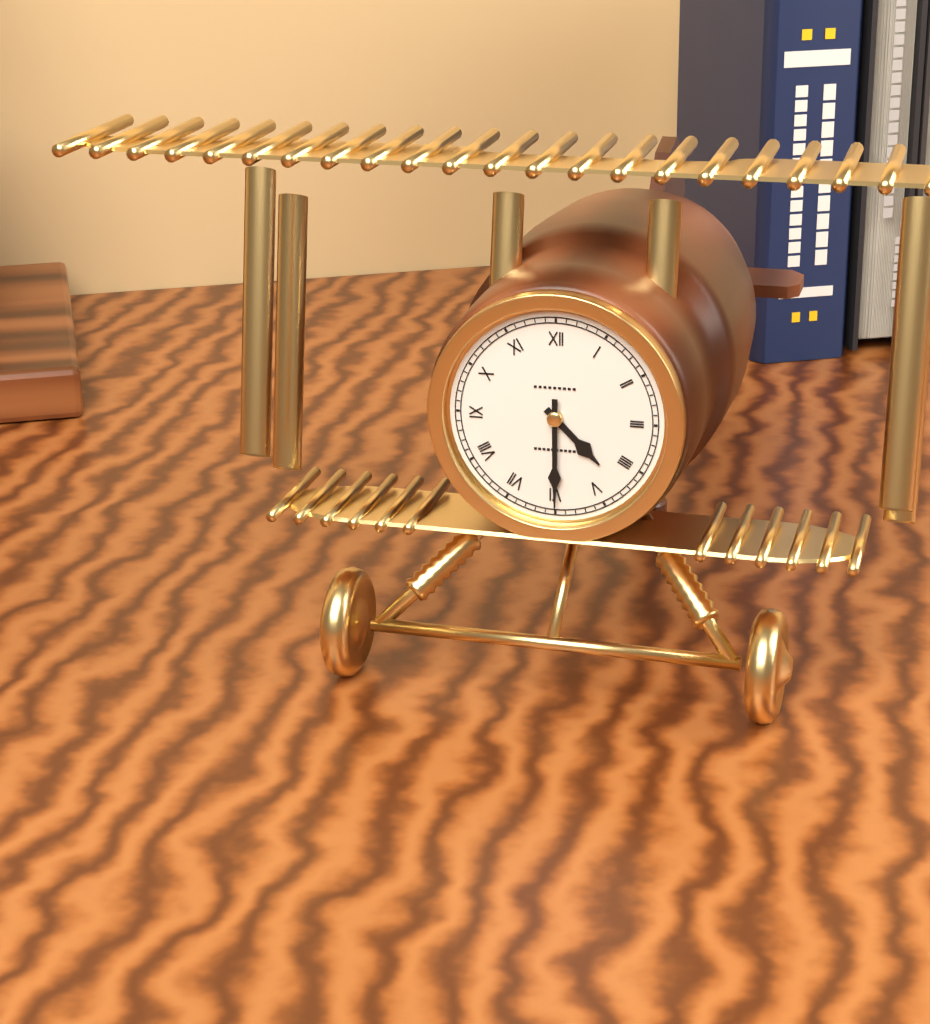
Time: {"hour": 4, "minute": 30}
